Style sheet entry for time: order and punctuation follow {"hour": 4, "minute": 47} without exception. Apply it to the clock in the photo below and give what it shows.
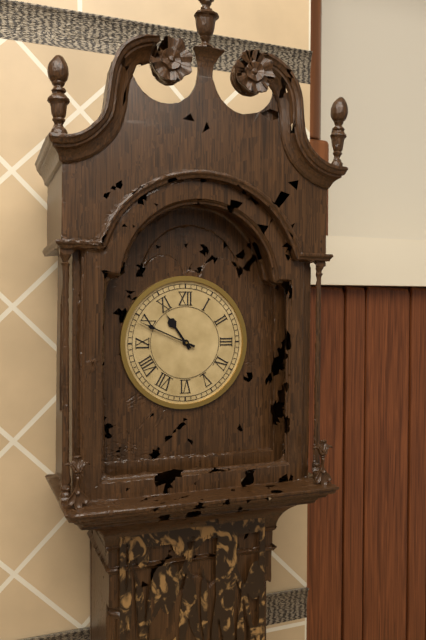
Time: {"hour": 10, "minute": 49}
